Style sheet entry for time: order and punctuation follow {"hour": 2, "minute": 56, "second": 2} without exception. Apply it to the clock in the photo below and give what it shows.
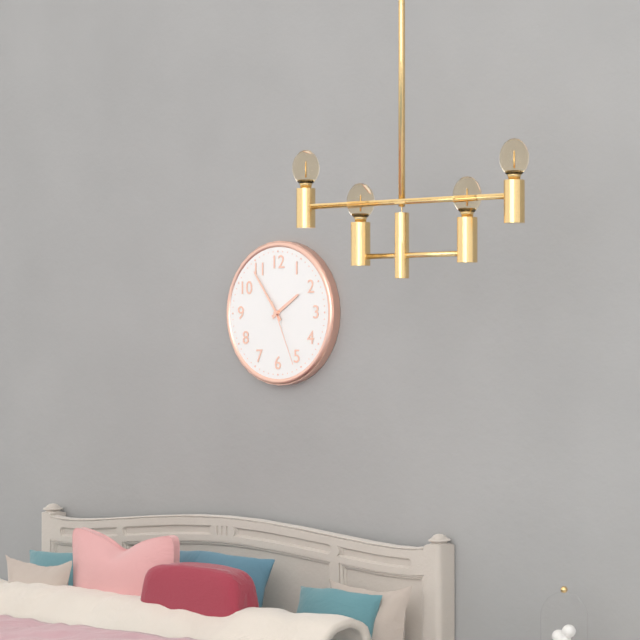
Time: {"hour": 1, "minute": 54, "second": 26}
